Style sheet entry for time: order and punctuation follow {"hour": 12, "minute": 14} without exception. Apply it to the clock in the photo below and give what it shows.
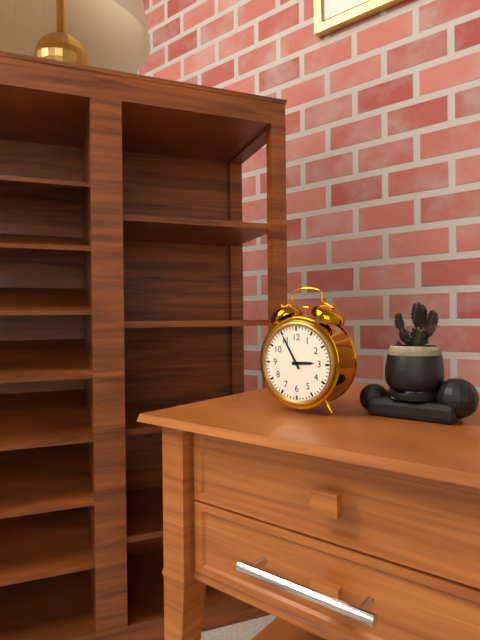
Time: {"hour": 2, "minute": 55}
